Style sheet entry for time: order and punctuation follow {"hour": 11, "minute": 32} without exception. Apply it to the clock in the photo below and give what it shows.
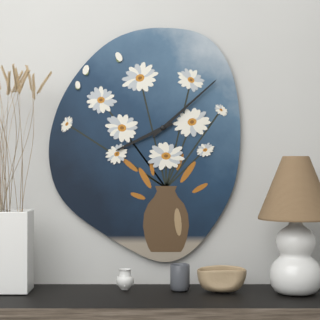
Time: {"hour": 8, "minute": 8}
